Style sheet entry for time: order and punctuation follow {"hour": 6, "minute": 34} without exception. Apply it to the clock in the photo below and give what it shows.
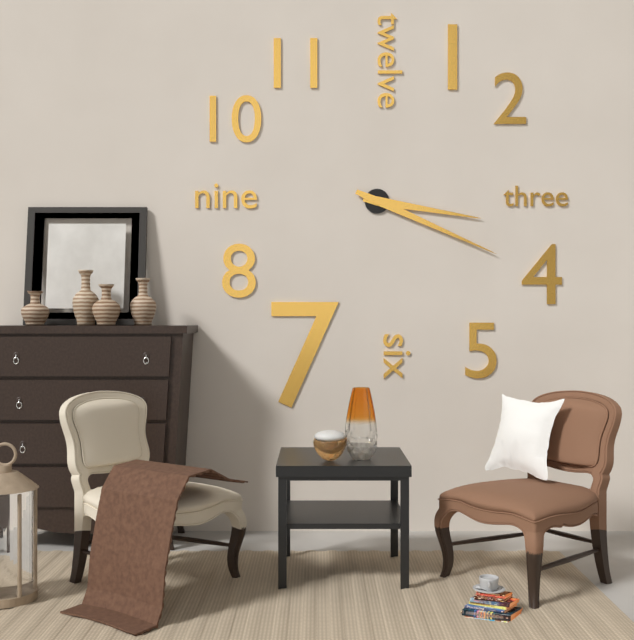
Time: {"hour": 3, "minute": 19}
